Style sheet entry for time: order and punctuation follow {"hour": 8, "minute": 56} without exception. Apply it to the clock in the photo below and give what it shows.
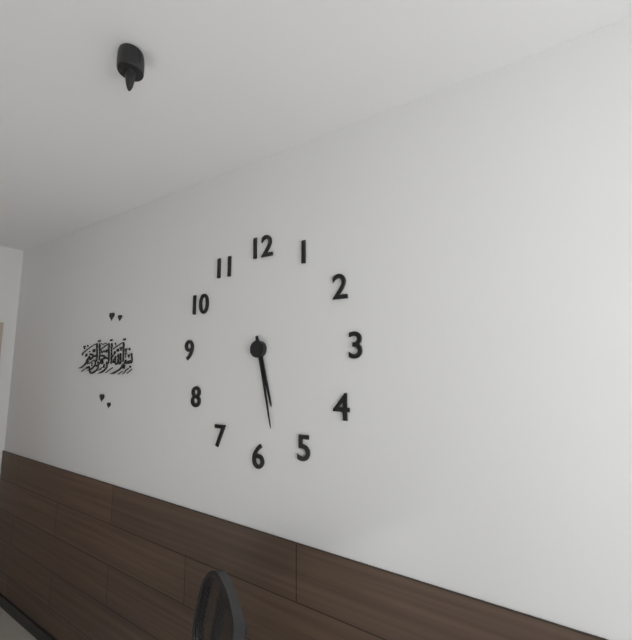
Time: {"hour": 5, "minute": 28}
